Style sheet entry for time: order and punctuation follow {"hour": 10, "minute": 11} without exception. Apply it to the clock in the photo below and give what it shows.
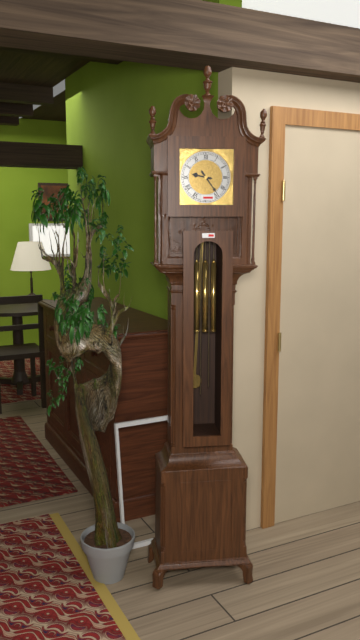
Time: {"hour": 9, "minute": 24}
